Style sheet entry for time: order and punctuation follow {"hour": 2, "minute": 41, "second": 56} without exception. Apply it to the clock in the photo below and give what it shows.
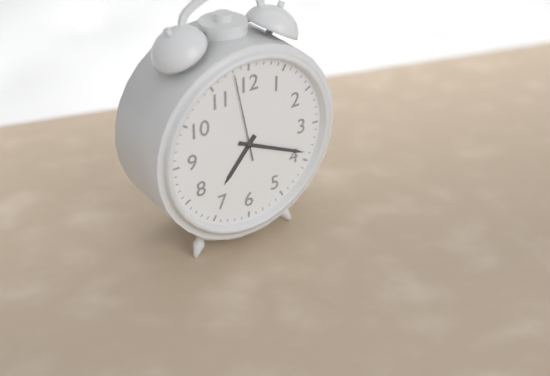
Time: {"hour": 7, "minute": 19, "second": 58}
